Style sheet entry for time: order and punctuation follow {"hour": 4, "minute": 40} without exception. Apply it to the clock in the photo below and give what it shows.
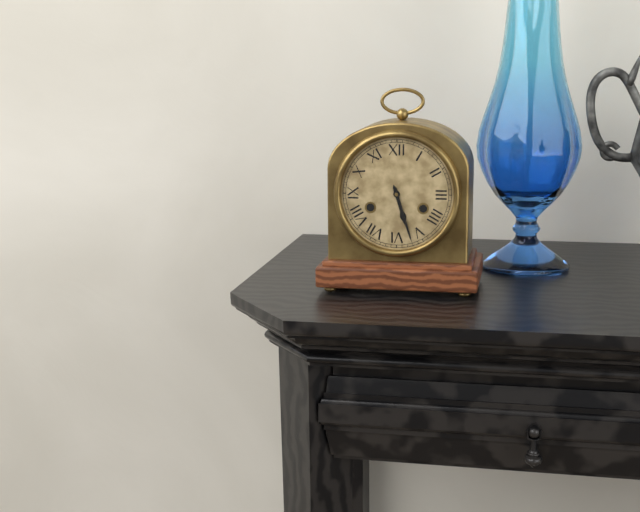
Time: {"hour": 5, "minute": 27}
